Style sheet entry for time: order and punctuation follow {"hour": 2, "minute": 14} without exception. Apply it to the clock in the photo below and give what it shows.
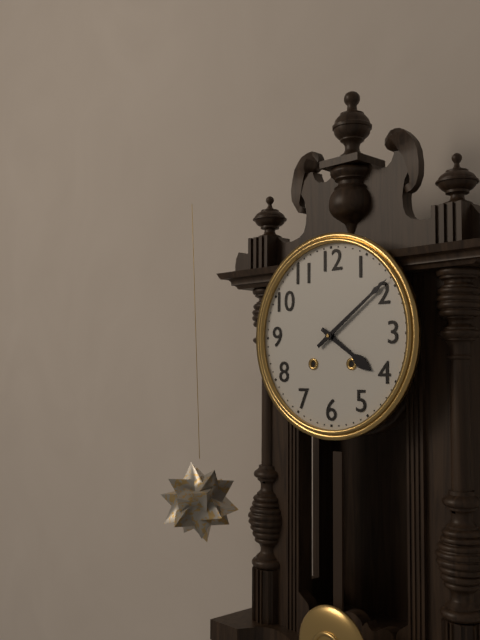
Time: {"hour": 4, "minute": 9}
